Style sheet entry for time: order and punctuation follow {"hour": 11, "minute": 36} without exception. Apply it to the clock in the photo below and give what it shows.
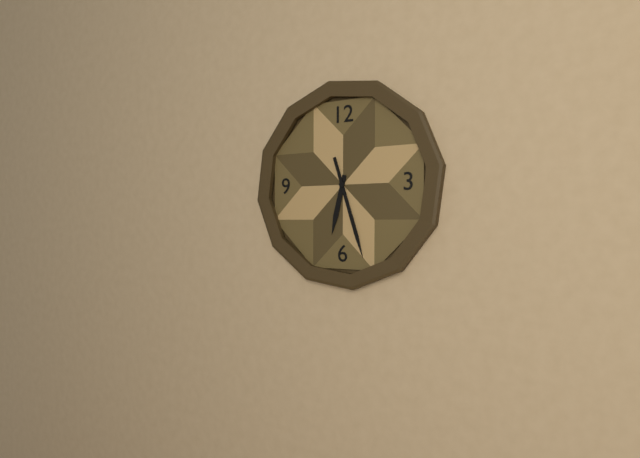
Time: {"hour": 6, "minute": 27}
